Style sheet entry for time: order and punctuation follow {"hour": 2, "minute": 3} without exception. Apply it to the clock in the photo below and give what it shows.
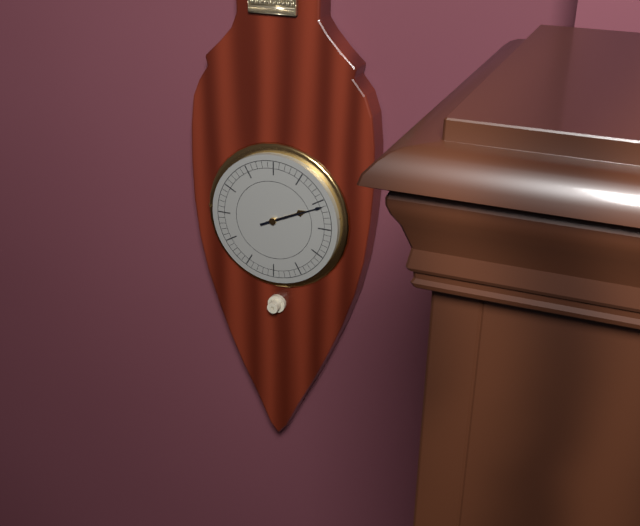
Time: {"hour": 2, "minute": 11}
